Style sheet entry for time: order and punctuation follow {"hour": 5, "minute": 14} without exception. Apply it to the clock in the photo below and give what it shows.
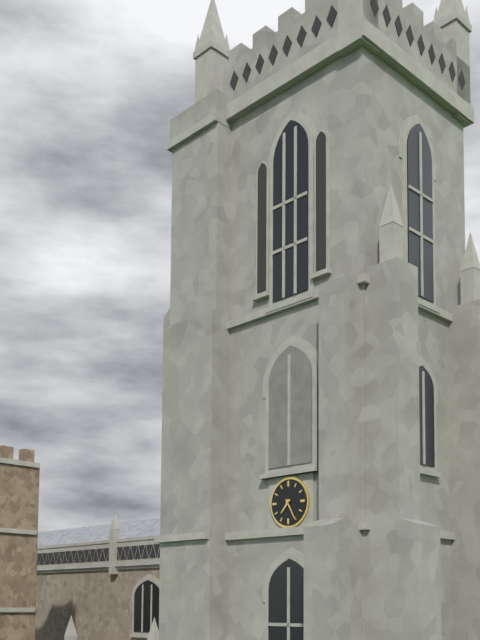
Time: {"hour": 7, "minute": 25}
